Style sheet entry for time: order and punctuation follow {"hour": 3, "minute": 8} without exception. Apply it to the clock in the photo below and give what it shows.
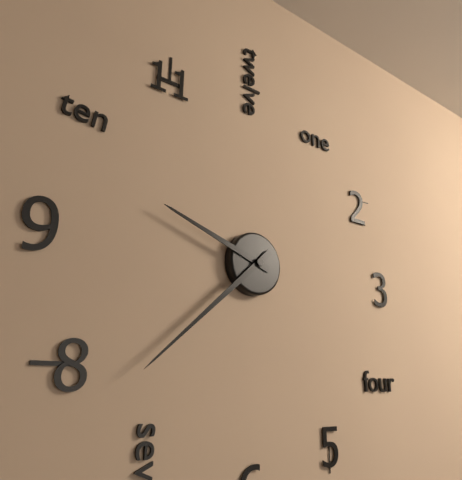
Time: {"hour": 9, "minute": 38}
